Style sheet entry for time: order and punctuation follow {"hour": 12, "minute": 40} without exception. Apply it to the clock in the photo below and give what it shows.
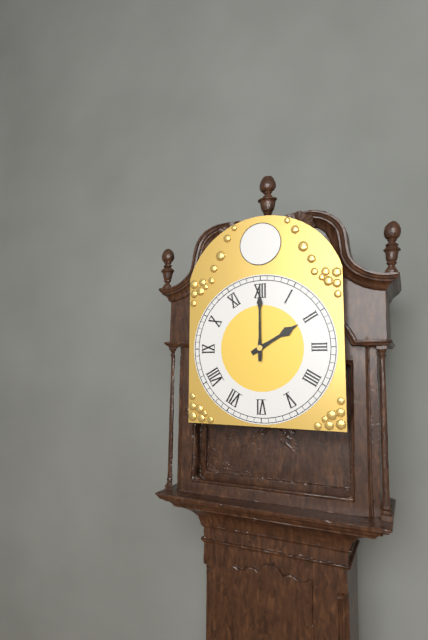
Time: {"hour": 2, "minute": 0}
